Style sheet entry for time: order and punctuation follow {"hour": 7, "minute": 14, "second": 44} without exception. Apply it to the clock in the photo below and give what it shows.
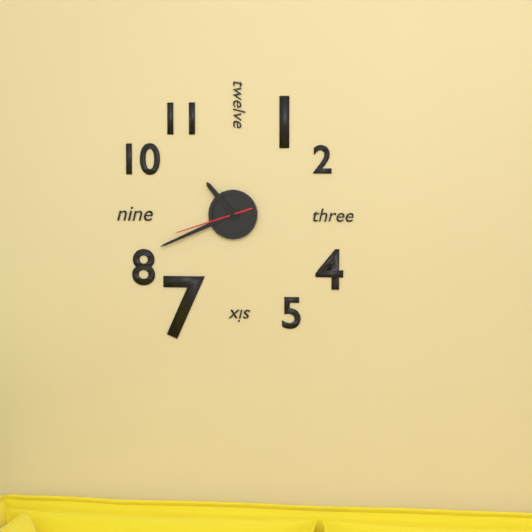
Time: {"hour": 10, "minute": 41, "second": 42}
